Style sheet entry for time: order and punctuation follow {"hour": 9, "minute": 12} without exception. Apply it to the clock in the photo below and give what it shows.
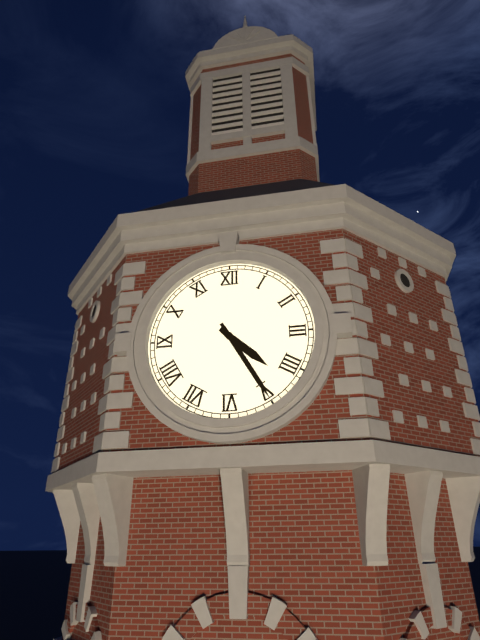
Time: {"hour": 4, "minute": 25}
